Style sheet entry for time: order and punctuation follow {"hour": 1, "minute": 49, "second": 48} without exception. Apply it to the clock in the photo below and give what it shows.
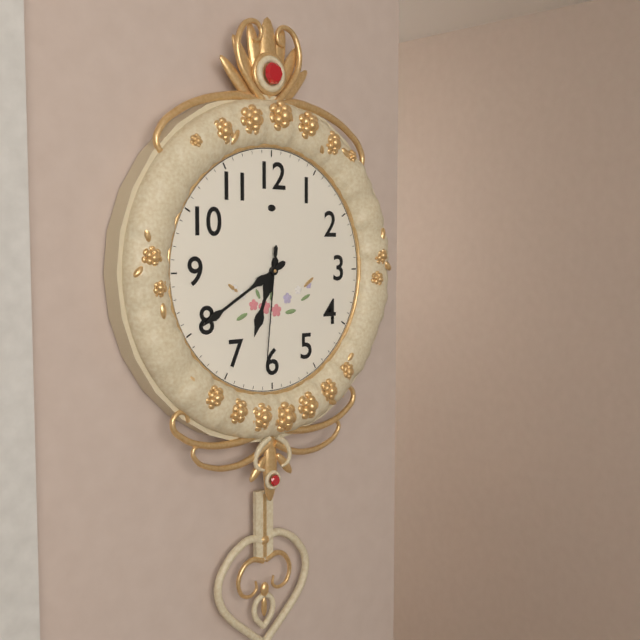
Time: {"hour": 6, "minute": 40, "second": 31}
